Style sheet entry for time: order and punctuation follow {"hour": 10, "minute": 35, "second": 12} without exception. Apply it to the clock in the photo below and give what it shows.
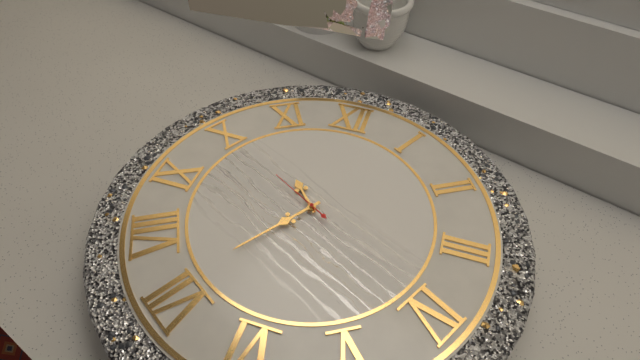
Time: {"hour": 10, "minute": 36, "second": 50}
